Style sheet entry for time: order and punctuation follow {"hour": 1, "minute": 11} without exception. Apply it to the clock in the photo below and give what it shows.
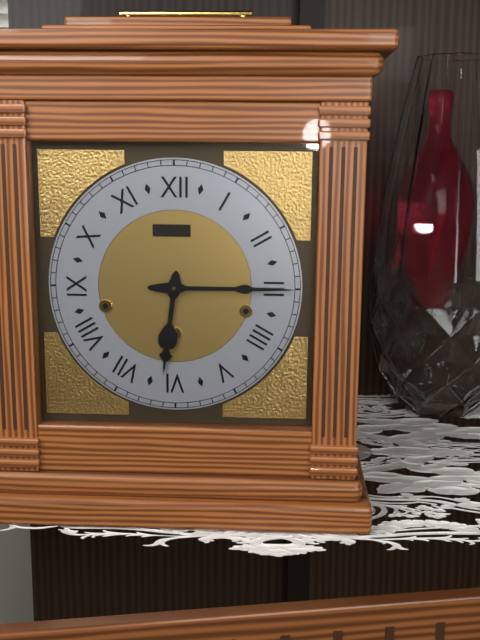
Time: {"hour": 6, "minute": 15}
